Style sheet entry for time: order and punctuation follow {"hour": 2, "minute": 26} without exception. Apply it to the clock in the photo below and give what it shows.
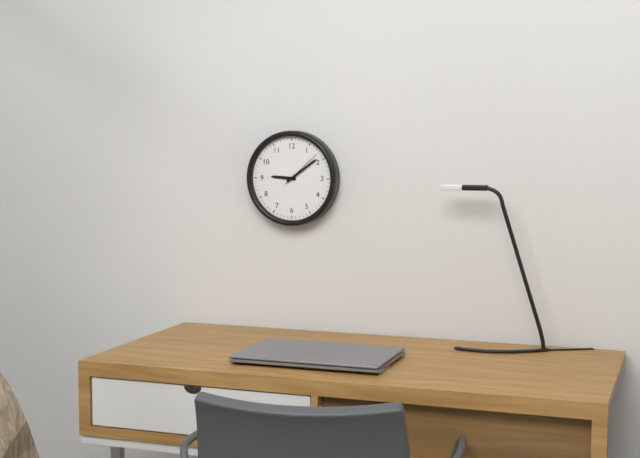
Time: {"hour": 9, "minute": 9}
